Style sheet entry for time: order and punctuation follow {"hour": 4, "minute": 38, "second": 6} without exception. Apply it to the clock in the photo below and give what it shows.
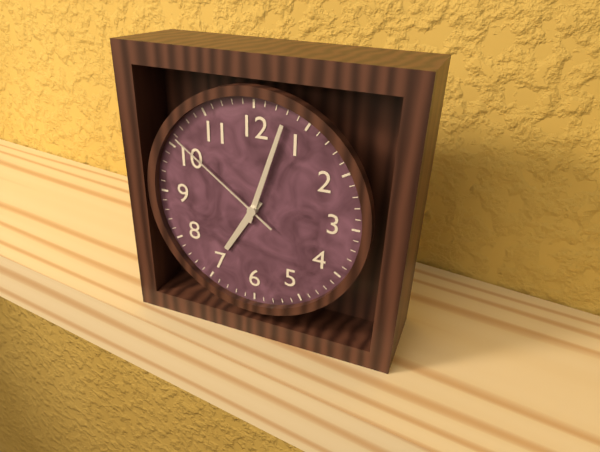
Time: {"hour": 7, "minute": 3, "second": 51}
